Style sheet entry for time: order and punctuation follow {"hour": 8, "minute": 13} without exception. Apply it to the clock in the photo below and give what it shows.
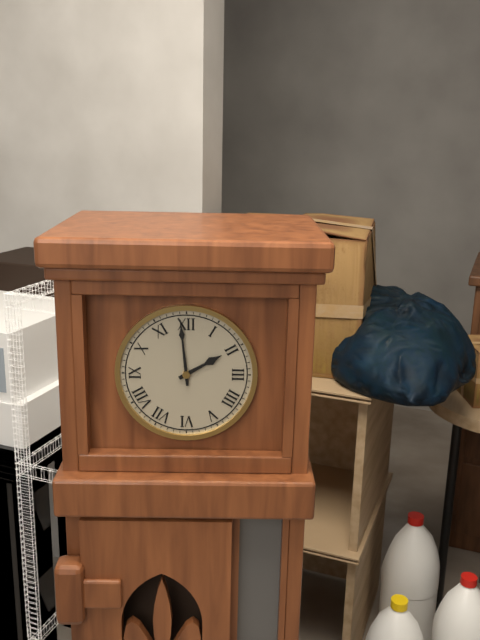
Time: {"hour": 1, "minute": 59}
